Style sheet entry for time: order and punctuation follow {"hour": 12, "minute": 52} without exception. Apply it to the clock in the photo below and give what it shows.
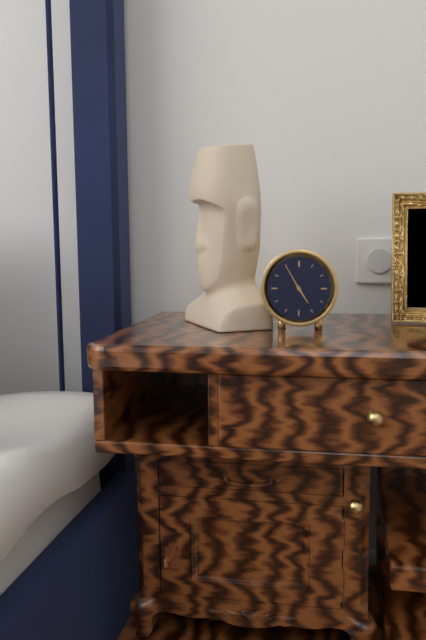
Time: {"hour": 4, "minute": 55}
